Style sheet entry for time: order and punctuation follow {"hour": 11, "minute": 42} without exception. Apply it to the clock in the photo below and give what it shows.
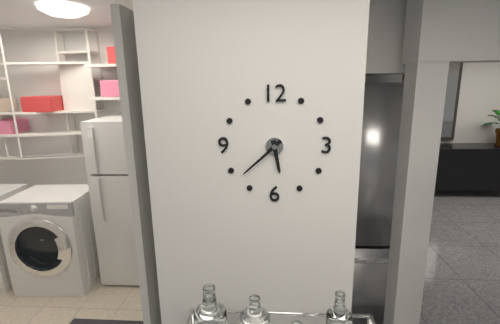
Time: {"hour": 5, "minute": 38}
